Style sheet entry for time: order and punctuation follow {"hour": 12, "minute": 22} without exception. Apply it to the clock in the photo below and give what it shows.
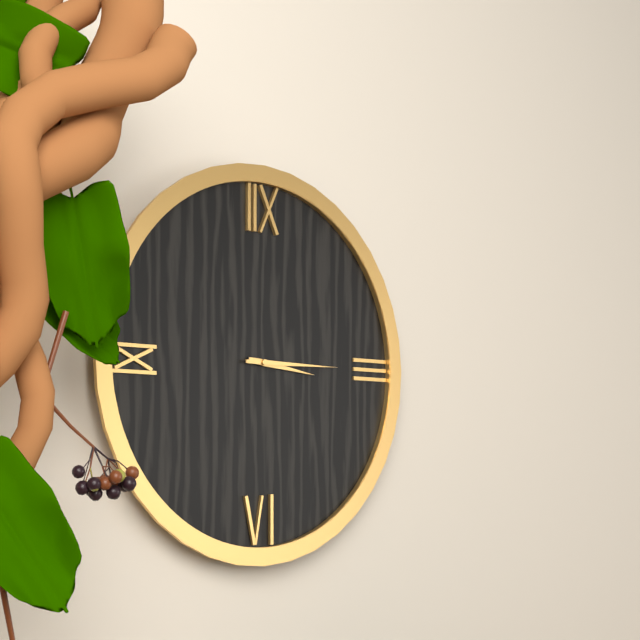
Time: {"hour": 3, "minute": 15}
